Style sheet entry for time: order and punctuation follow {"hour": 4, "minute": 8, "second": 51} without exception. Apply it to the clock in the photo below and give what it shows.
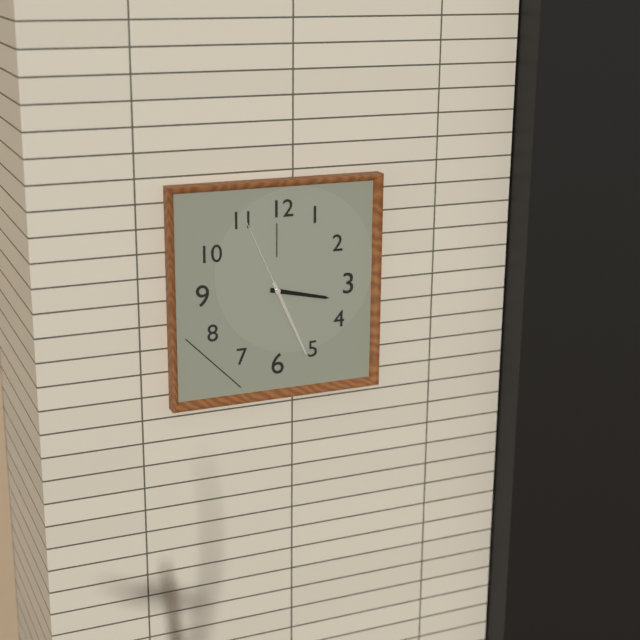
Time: {"hour": 3, "minute": 26, "second": 56}
